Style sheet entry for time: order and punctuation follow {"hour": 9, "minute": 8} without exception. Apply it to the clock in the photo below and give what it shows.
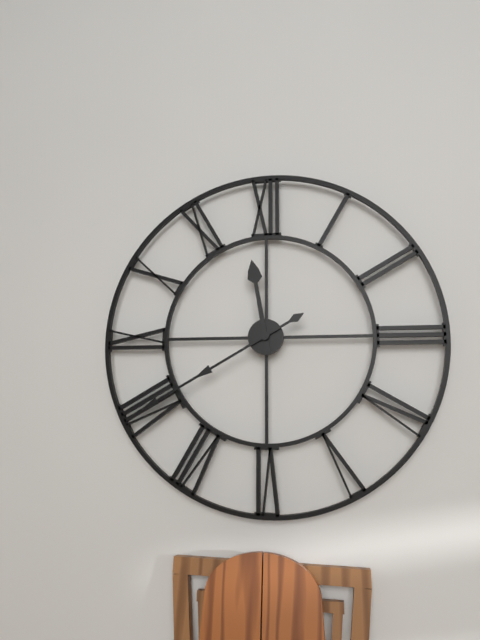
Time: {"hour": 11, "minute": 40}
